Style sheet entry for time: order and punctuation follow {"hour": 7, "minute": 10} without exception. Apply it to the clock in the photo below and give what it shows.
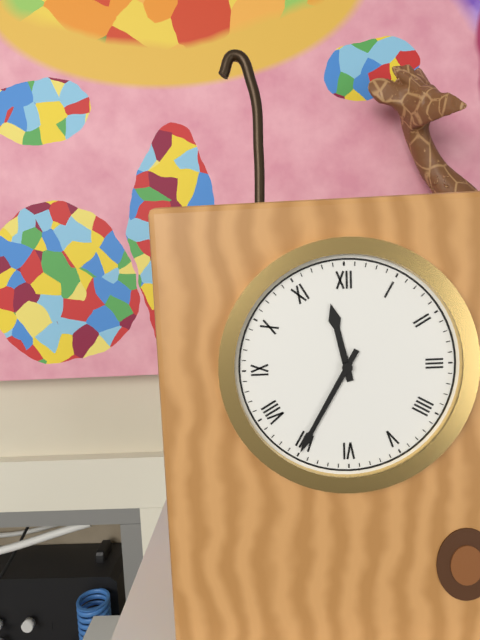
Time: {"hour": 11, "minute": 35}
